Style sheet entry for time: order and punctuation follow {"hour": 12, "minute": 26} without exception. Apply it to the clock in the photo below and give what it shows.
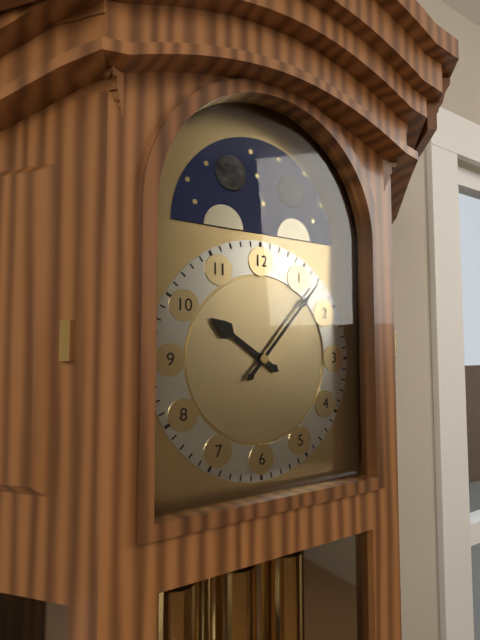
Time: {"hour": 10, "minute": 7}
